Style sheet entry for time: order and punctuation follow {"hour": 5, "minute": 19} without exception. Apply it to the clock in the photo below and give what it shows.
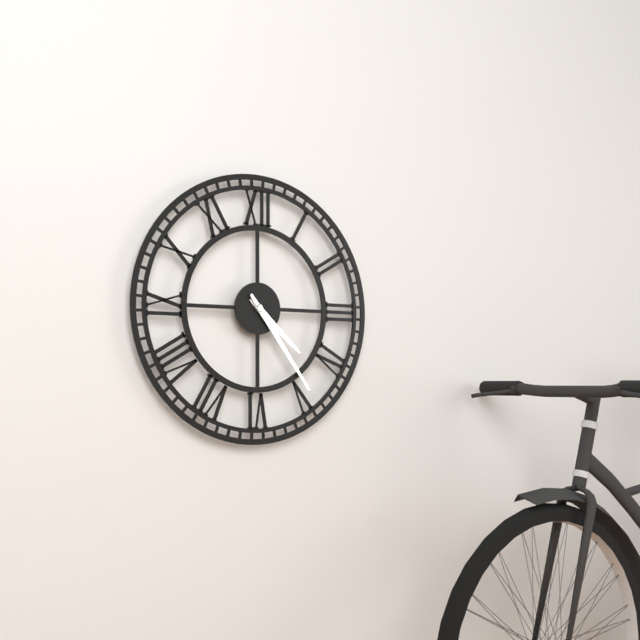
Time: {"hour": 4, "minute": 24}
